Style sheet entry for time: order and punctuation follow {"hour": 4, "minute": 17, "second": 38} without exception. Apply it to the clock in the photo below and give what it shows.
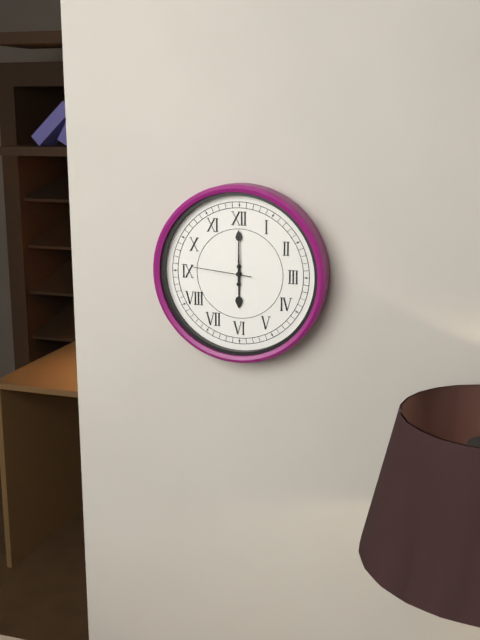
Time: {"hour": 6, "minute": 0, "second": 46}
